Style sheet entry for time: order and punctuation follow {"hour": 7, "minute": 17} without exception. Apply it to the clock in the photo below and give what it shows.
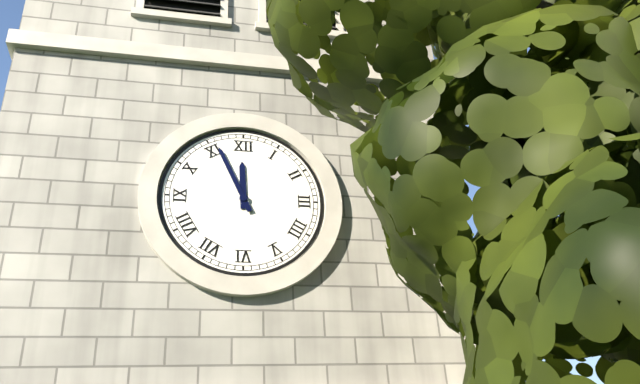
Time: {"hour": 11, "minute": 56}
